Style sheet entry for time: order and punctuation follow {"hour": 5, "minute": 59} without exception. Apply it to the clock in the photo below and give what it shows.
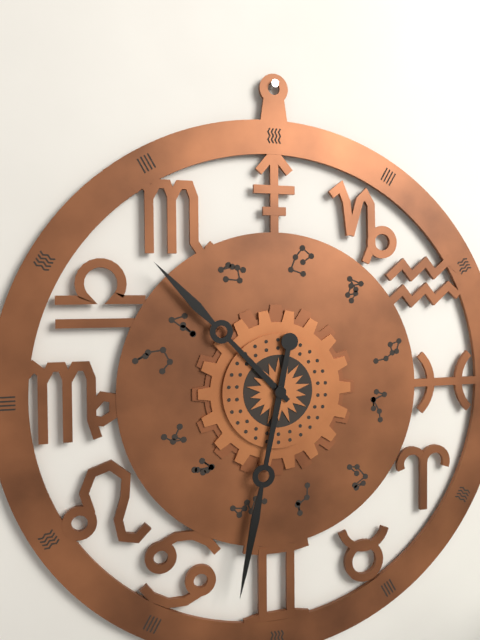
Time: {"hour": 10, "minute": 32}
